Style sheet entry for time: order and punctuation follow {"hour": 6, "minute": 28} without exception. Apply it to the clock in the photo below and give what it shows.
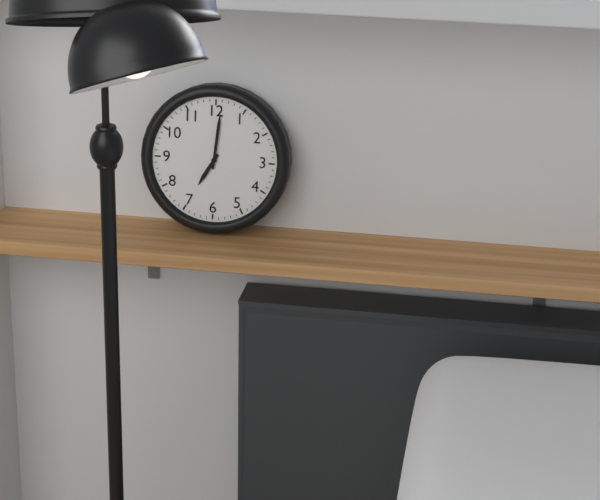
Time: {"hour": 7, "minute": 1}
